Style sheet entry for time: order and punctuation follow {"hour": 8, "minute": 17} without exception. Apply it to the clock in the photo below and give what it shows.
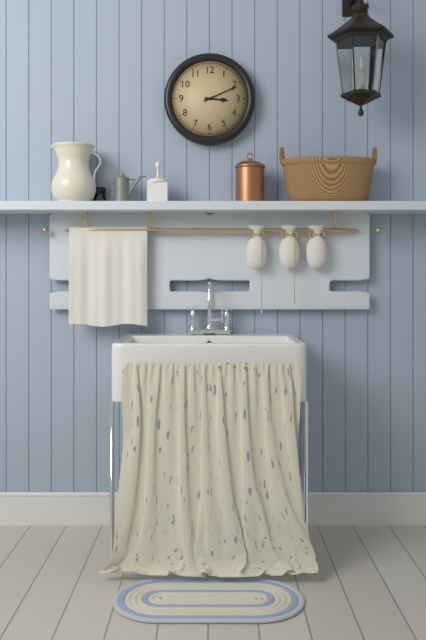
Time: {"hour": 3, "minute": 11}
